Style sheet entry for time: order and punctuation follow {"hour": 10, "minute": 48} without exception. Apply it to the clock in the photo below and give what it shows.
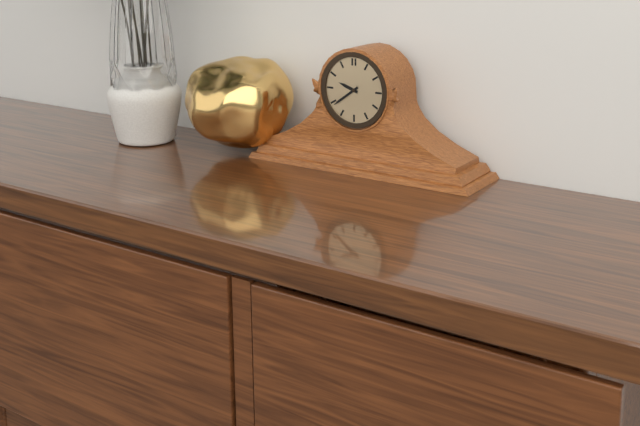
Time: {"hour": 9, "minute": 39}
